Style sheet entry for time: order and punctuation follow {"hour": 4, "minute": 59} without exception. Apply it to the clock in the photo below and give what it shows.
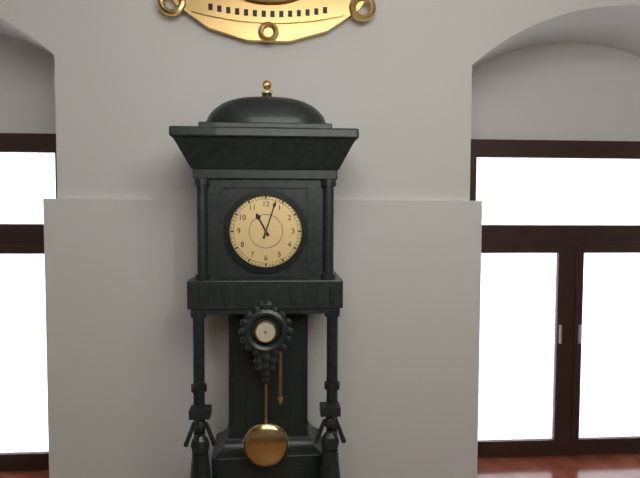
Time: {"hour": 11, "minute": 3}
